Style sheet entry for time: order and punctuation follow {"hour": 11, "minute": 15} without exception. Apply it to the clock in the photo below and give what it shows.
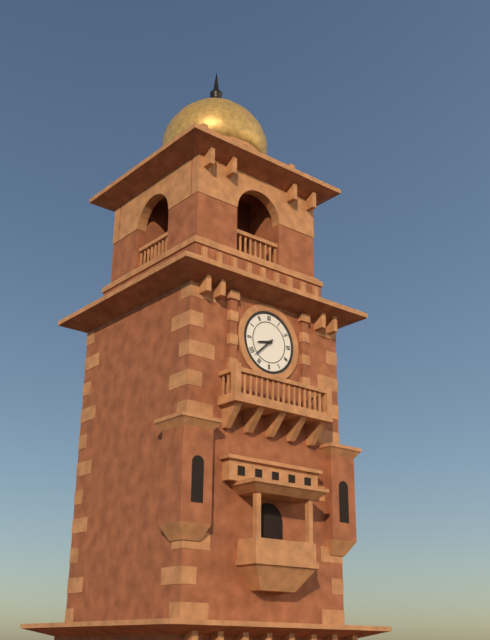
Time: {"hour": 8, "minute": 38}
